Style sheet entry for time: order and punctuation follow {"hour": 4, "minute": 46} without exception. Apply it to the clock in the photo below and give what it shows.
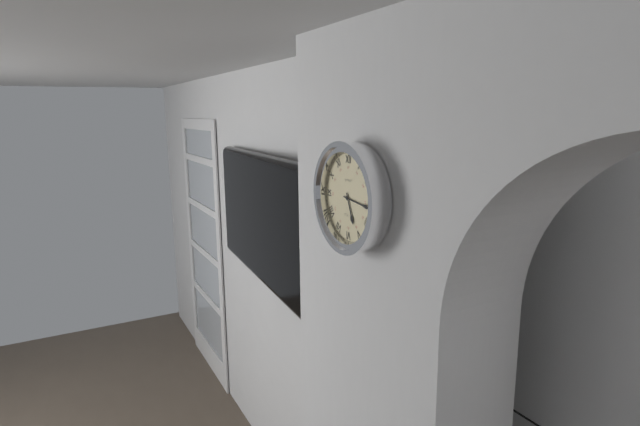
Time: {"hour": 5, "minute": 16}
